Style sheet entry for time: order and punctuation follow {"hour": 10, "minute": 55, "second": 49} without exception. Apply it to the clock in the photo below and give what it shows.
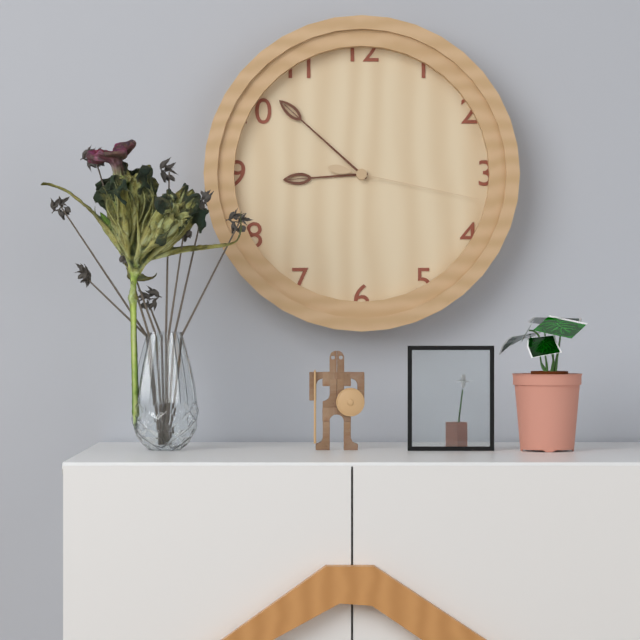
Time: {"hour": 8, "minute": 52, "second": 17}
